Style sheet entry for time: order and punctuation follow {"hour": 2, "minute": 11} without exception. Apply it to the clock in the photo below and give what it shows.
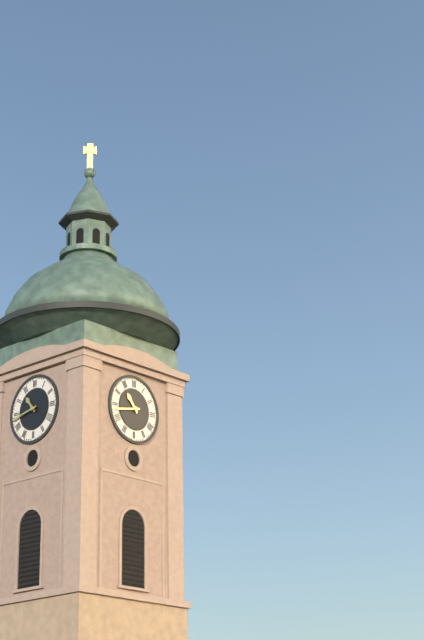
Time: {"hour": 10, "minute": 43}
